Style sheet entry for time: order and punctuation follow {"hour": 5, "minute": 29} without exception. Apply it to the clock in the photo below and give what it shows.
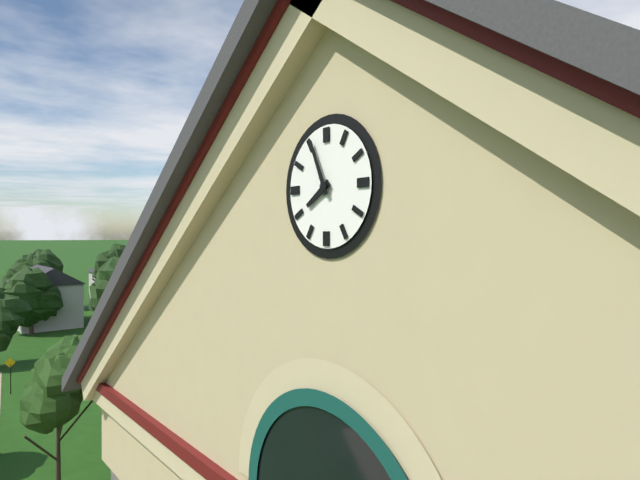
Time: {"hour": 7, "minute": 56}
